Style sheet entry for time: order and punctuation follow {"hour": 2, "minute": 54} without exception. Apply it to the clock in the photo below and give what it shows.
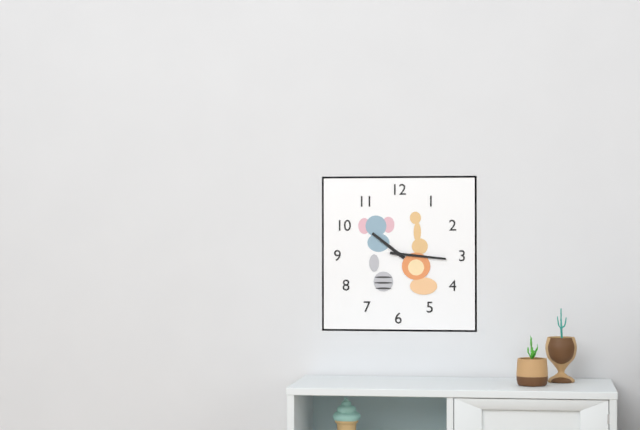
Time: {"hour": 10, "minute": 16}
